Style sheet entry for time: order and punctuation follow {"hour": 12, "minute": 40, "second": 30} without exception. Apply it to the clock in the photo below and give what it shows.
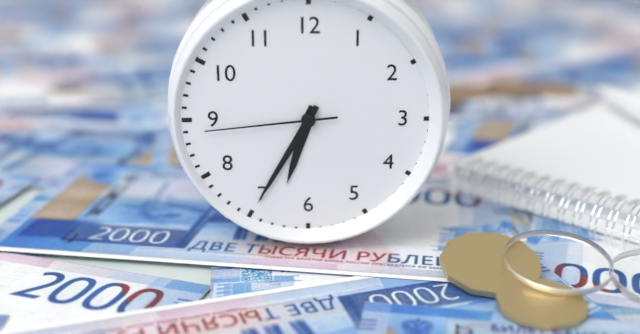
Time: {"hour": 6, "minute": 35, "second": 44}
